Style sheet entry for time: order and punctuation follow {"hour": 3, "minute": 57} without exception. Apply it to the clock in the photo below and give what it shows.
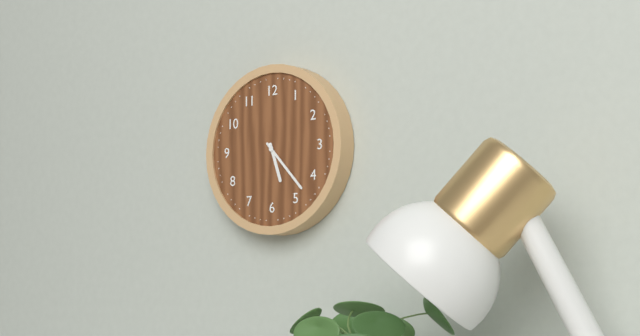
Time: {"hour": 5, "minute": 23}
